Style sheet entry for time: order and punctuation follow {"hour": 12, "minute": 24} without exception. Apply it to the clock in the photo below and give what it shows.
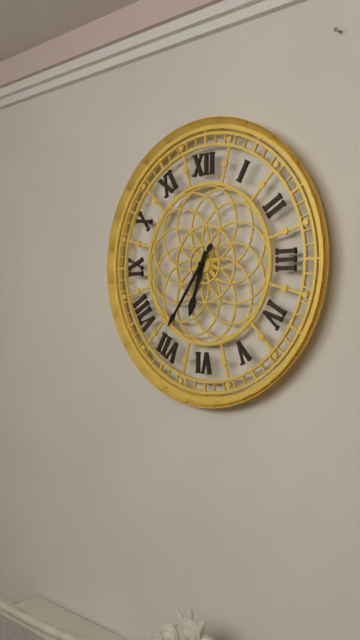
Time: {"hour": 6, "minute": 36}
